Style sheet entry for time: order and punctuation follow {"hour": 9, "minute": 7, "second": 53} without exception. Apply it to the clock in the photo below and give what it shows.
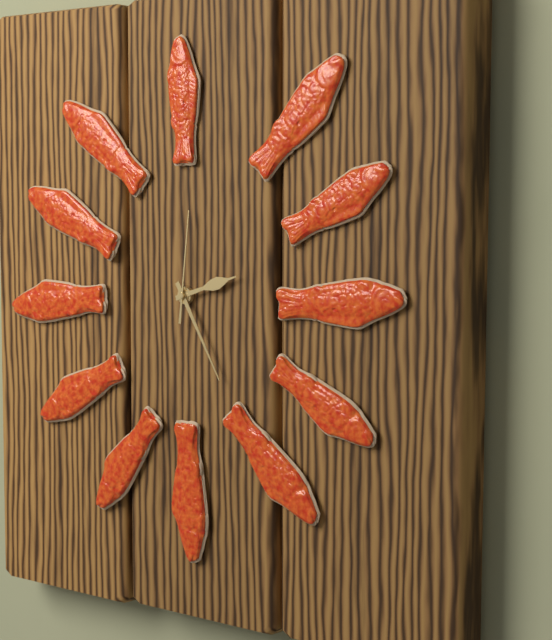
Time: {"hour": 2, "minute": 25, "second": 1}
